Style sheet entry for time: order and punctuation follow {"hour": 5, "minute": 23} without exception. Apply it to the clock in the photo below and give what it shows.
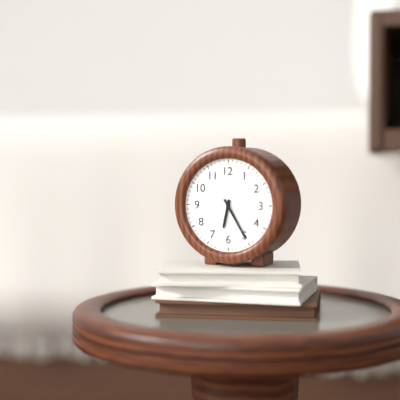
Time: {"hour": 6, "minute": 25}
